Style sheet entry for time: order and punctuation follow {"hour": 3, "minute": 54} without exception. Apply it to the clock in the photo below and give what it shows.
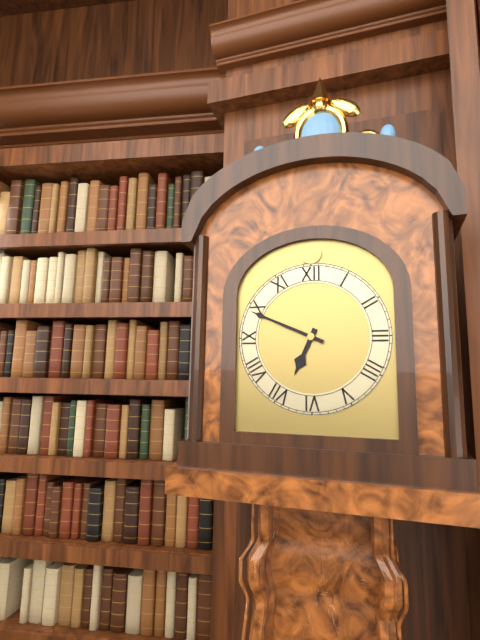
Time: {"hour": 6, "minute": 49}
